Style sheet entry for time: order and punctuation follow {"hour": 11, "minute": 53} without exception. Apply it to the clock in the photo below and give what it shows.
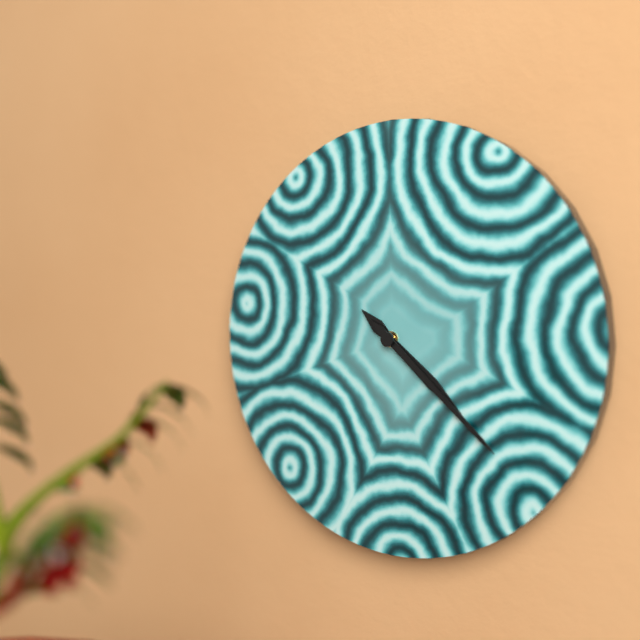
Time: {"hour": 4, "minute": 22}
